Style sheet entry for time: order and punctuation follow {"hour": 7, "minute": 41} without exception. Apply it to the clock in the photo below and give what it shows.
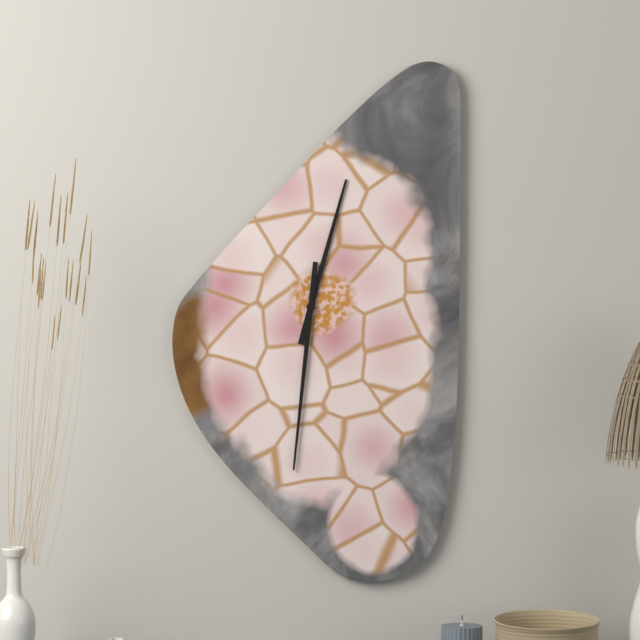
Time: {"hour": 12, "minute": 31}
